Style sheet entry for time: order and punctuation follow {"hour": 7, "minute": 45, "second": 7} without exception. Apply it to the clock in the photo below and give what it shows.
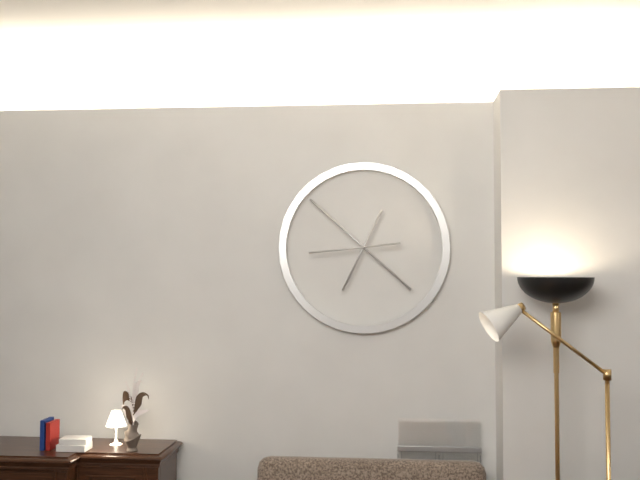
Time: {"hour": 6, "minute": 52, "second": 44}
